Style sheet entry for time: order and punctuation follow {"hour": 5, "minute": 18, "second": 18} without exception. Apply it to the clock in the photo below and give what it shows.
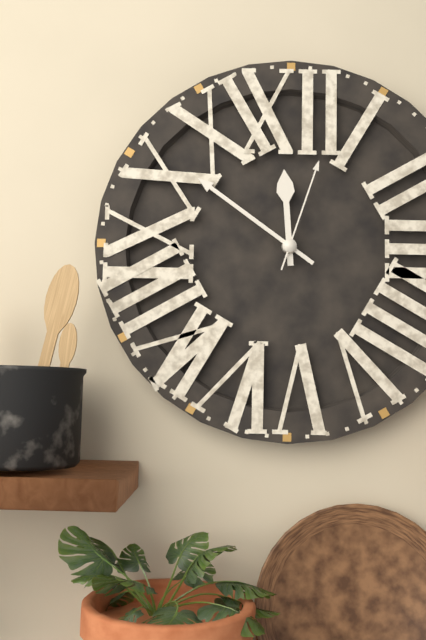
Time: {"hour": 11, "minute": 51, "second": 3}
